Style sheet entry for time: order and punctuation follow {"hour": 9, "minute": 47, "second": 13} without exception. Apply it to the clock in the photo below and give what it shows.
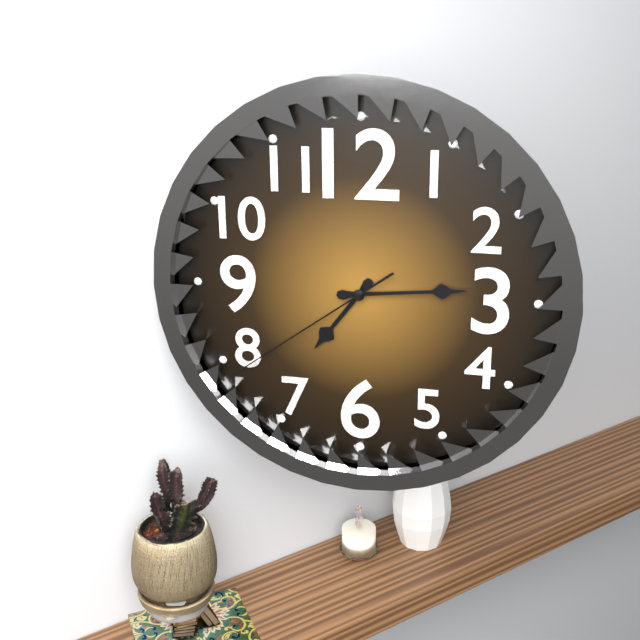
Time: {"hour": 7, "minute": 14, "second": 39}
